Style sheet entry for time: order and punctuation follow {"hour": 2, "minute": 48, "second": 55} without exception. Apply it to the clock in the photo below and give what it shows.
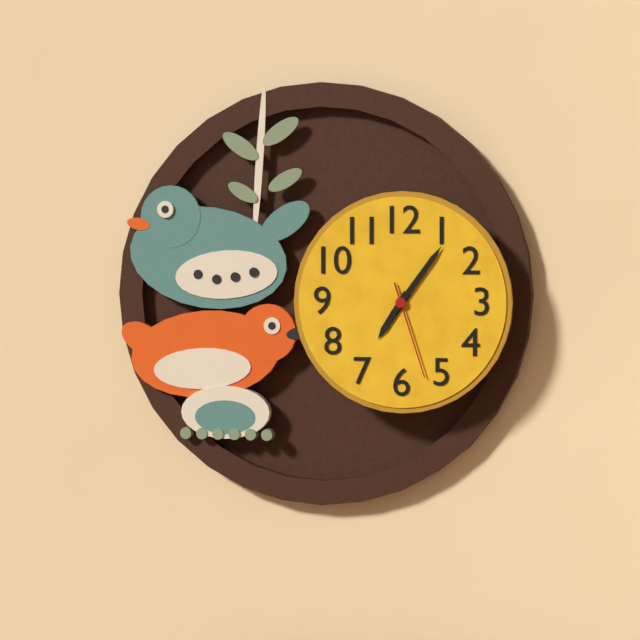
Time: {"hour": 7, "minute": 6, "second": 27}
